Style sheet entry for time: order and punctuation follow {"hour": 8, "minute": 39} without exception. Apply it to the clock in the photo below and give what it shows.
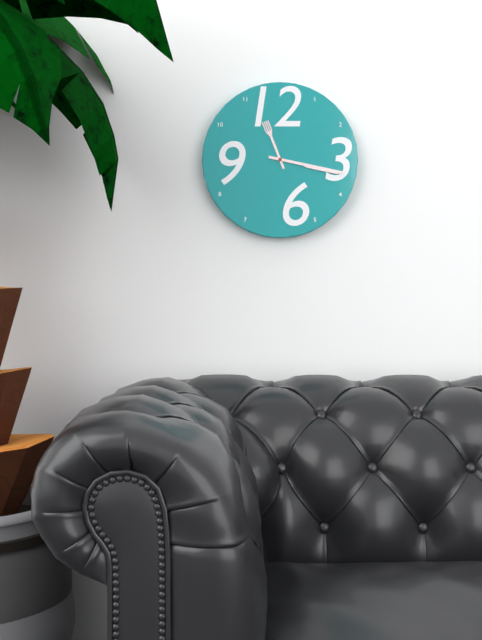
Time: {"hour": 11, "minute": 17}
